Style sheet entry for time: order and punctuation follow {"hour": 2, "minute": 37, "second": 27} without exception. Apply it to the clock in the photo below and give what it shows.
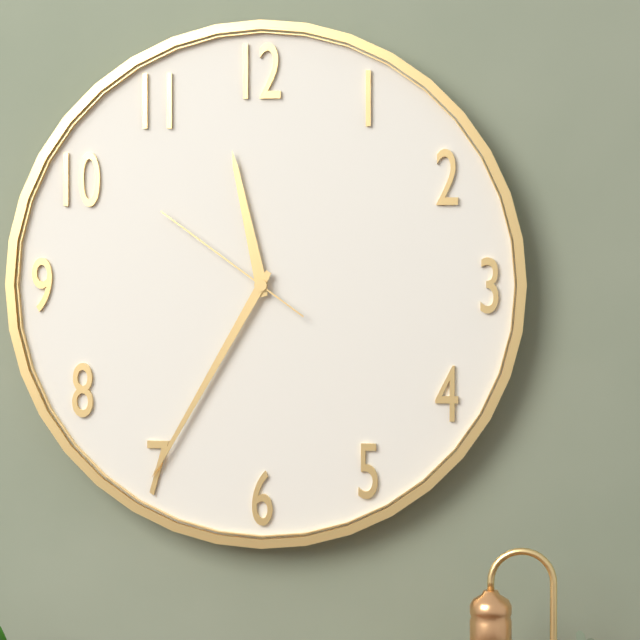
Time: {"hour": 11, "minute": 35, "second": 51}
